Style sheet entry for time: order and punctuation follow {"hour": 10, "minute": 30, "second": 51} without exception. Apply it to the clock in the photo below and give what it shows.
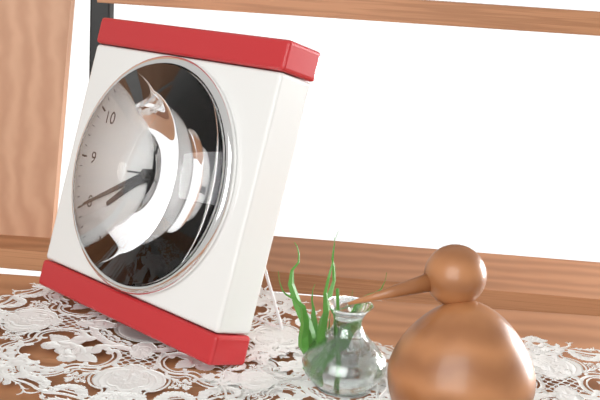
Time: {"hour": 7, "minute": 40, "second": 14}
